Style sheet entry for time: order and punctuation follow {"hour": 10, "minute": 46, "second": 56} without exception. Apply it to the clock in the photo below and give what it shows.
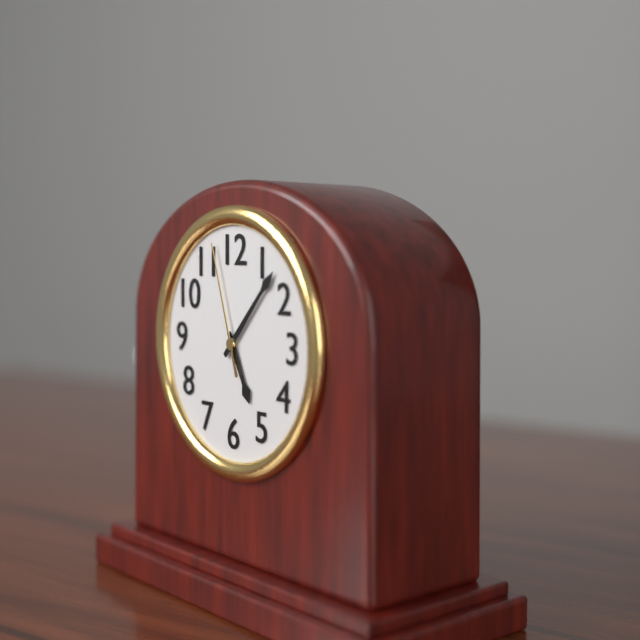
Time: {"hour": 5, "minute": 7, "second": 57}
